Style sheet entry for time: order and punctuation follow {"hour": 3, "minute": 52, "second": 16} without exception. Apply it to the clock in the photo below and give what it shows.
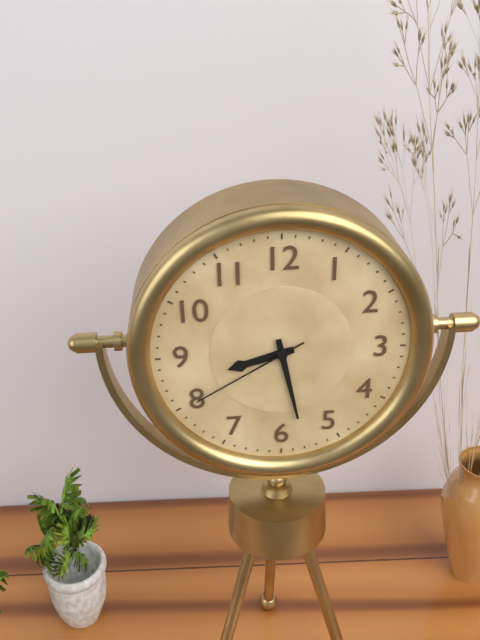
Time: {"hour": 8, "minute": 28, "second": 40}
